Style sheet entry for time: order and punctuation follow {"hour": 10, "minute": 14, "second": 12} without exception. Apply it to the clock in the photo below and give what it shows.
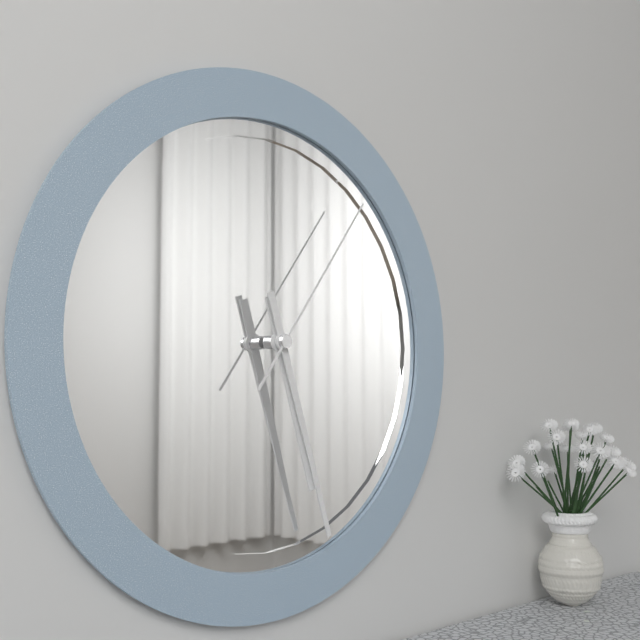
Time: {"hour": 5, "minute": 27, "second": 6}
